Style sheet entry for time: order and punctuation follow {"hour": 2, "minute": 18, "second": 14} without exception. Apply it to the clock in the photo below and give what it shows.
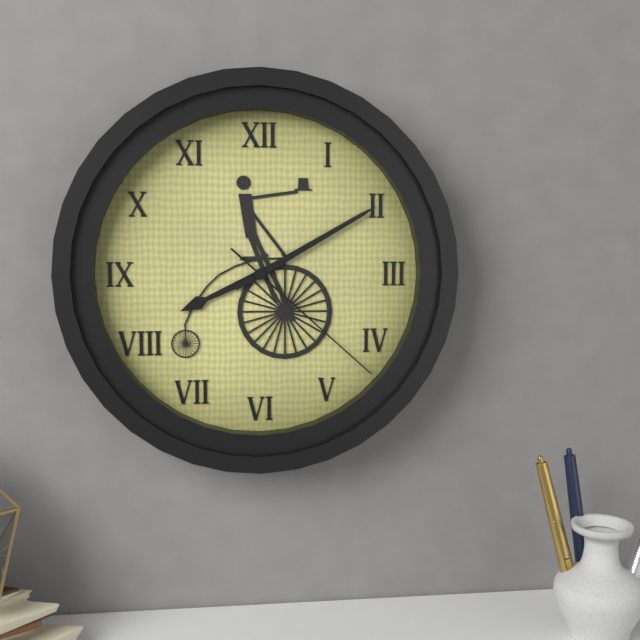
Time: {"hour": 8, "minute": 10, "second": 22}
